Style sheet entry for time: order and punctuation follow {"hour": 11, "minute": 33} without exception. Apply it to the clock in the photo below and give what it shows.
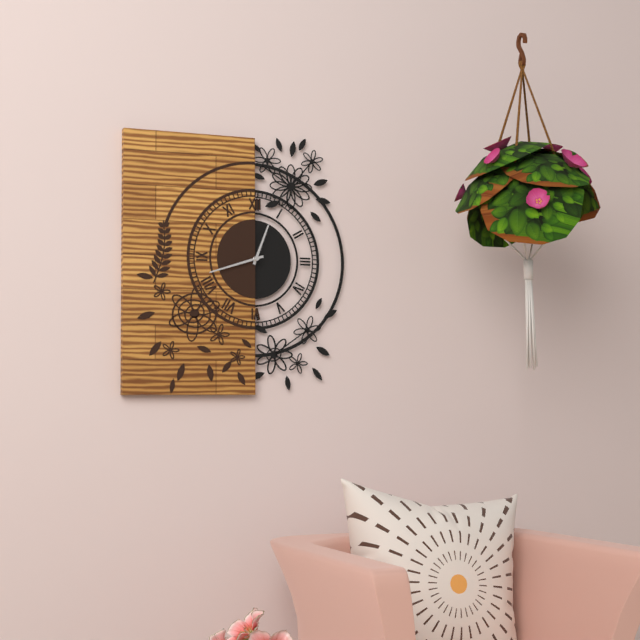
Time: {"hour": 12, "minute": 42}
